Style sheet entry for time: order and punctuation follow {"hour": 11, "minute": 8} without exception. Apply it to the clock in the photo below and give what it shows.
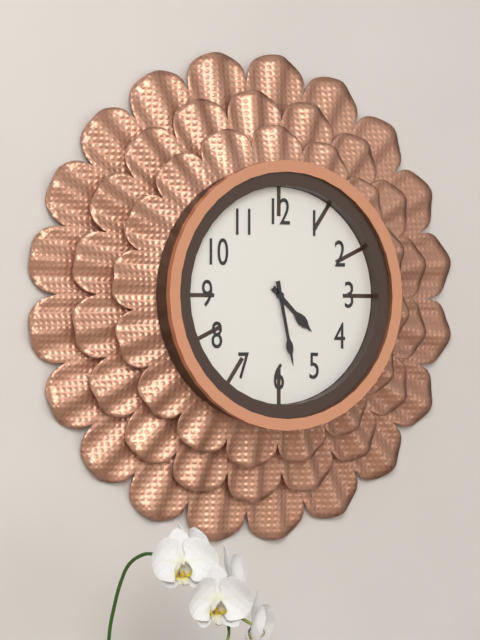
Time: {"hour": 4, "minute": 28}
